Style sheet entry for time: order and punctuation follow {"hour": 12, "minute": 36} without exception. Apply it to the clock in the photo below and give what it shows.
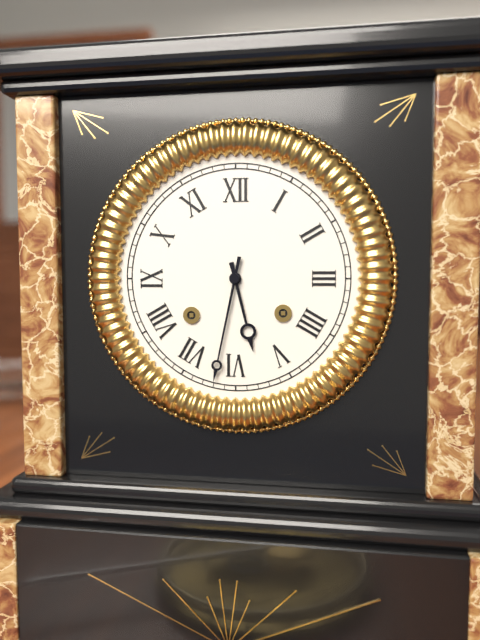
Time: {"hour": 5, "minute": 32}
